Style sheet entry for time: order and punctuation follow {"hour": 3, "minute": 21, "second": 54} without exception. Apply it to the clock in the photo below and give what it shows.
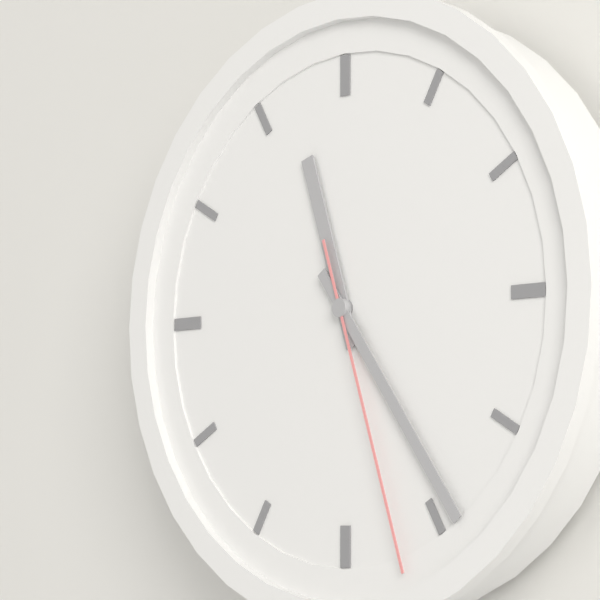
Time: {"hour": 11, "minute": 24, "second": 27}
